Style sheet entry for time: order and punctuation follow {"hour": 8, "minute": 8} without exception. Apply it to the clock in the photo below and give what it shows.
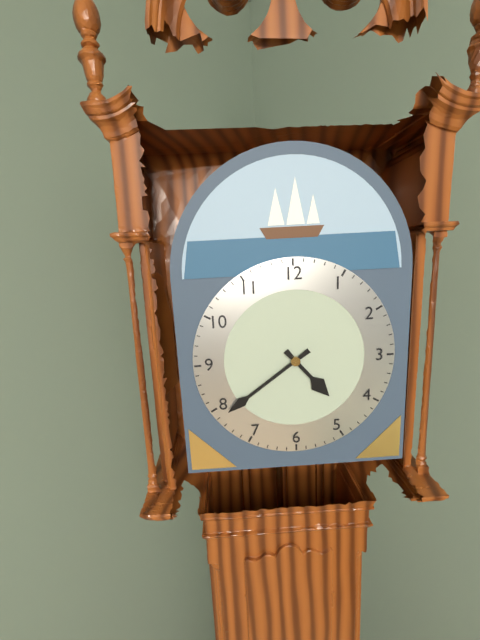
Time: {"hour": 4, "minute": 39}
